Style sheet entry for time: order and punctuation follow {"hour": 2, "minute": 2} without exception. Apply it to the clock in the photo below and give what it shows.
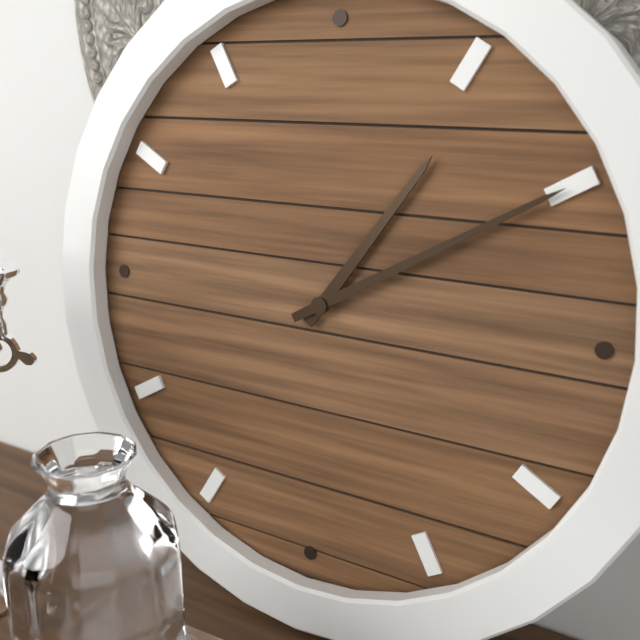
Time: {"hour": 1, "minute": 10}
